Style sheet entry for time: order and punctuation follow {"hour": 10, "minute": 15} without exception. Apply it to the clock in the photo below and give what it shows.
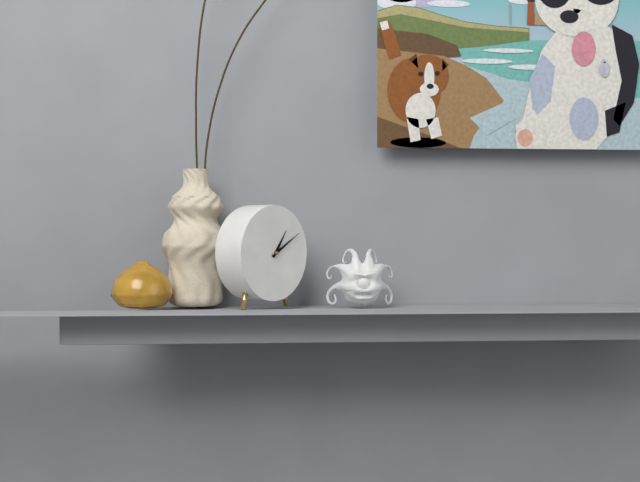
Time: {"hour": 1, "minute": 10}
